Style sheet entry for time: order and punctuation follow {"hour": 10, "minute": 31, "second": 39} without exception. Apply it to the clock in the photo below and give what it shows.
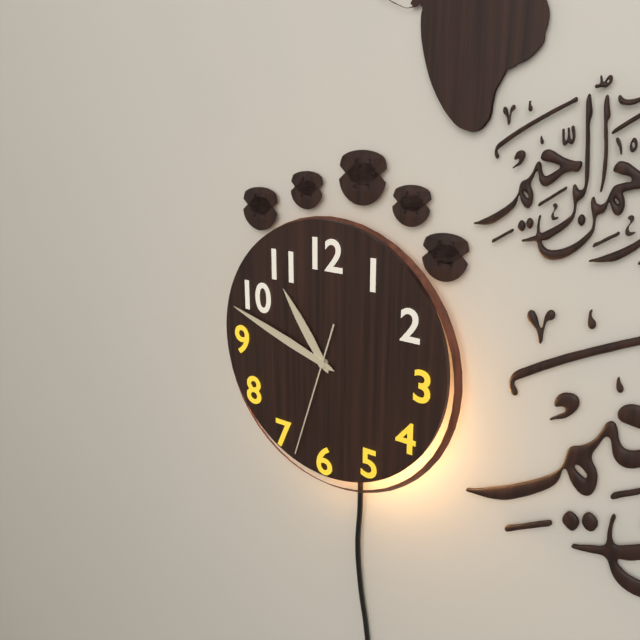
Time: {"hour": 10, "minute": 48, "second": 33}
